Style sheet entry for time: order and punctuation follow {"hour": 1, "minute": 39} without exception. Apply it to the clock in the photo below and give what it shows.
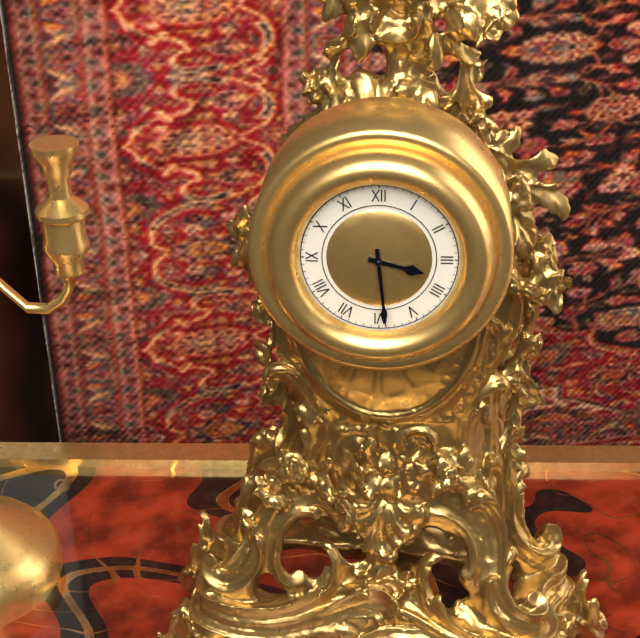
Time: {"hour": 3, "minute": 29}
